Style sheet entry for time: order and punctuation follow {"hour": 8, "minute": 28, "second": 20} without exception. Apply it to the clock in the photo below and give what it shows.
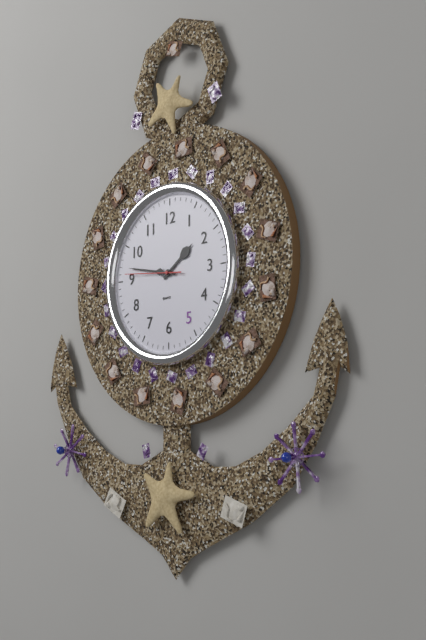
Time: {"hour": 1, "minute": 47, "second": 46}
